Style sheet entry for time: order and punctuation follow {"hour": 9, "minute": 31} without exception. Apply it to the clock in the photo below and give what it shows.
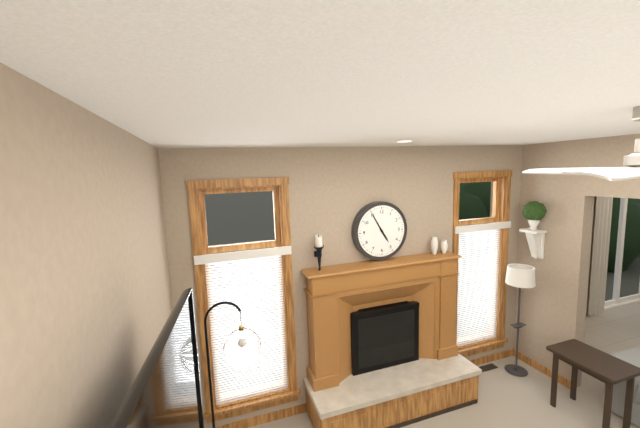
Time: {"hour": 4, "minute": 55}
